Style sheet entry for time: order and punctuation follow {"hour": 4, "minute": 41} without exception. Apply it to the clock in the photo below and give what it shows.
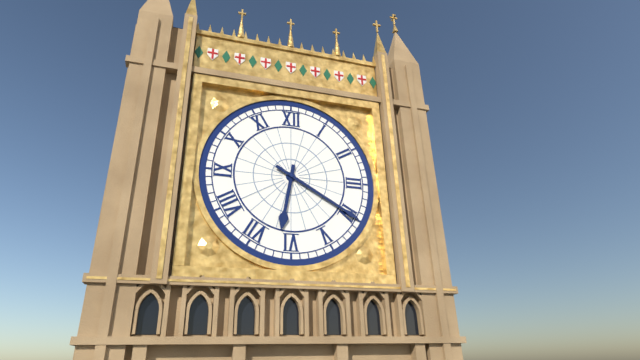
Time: {"hour": 6, "minute": 20}
